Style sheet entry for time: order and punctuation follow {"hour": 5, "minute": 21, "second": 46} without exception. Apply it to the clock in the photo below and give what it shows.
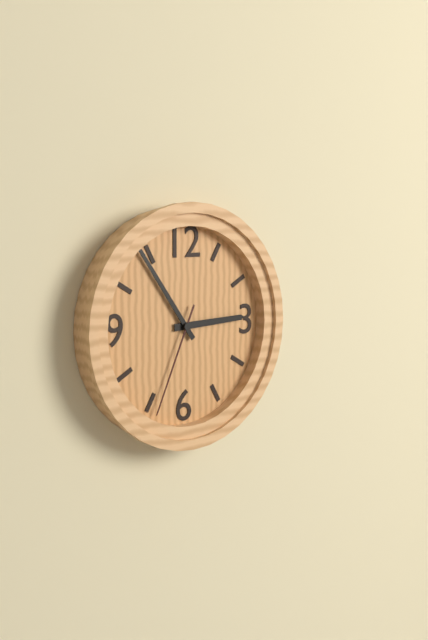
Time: {"hour": 2, "minute": 54, "second": 34}
